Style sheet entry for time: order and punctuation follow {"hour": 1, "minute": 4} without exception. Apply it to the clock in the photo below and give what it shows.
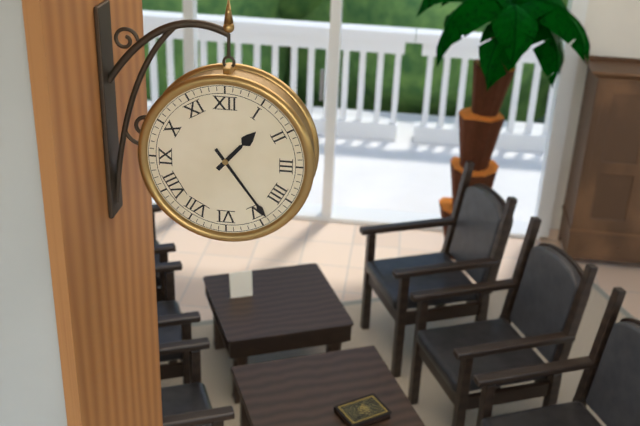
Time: {"hour": 1, "minute": 24}
